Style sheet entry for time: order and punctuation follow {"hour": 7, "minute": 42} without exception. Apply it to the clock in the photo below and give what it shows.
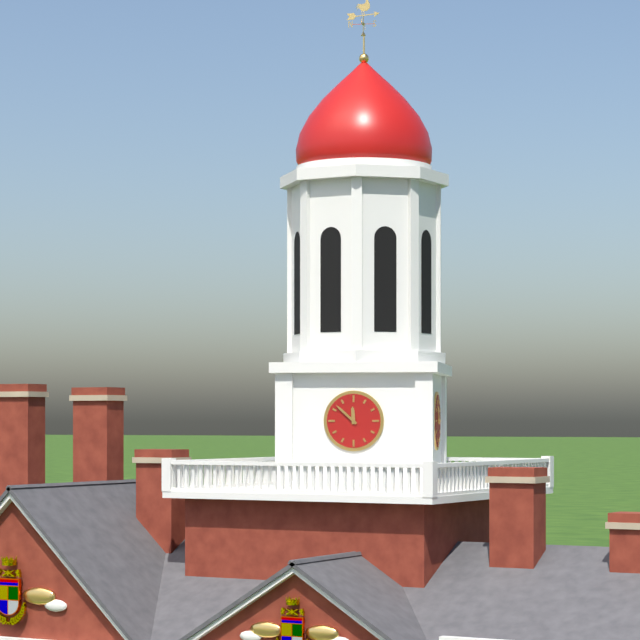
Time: {"hour": 11, "minute": 52}
